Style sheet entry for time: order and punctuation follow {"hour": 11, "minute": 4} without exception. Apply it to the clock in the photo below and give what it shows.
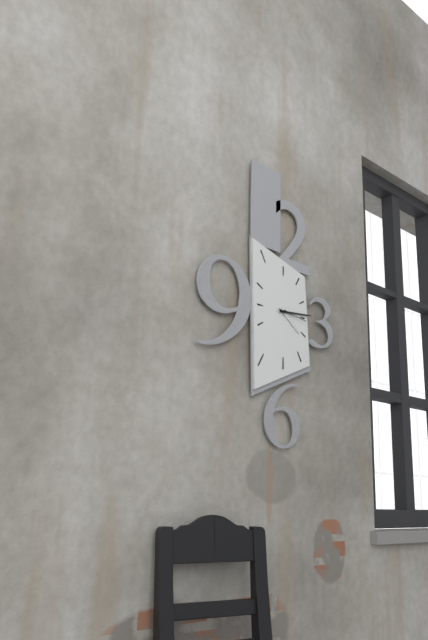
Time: {"hour": 4, "minute": 14}
